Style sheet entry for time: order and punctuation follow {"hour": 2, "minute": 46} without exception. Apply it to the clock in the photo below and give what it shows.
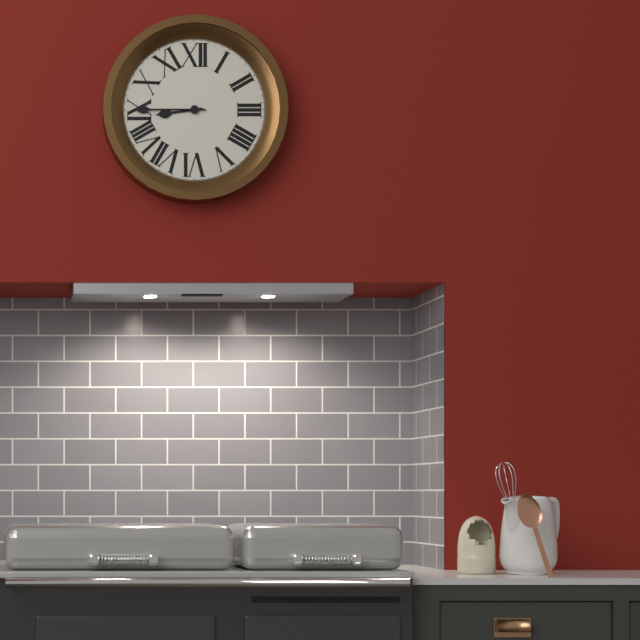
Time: {"hour": 8, "minute": 45}
